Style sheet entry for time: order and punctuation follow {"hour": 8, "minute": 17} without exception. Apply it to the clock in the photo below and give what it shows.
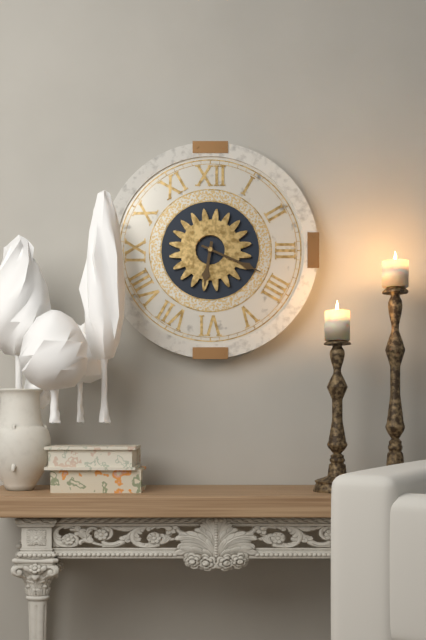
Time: {"hour": 6, "minute": 19}
